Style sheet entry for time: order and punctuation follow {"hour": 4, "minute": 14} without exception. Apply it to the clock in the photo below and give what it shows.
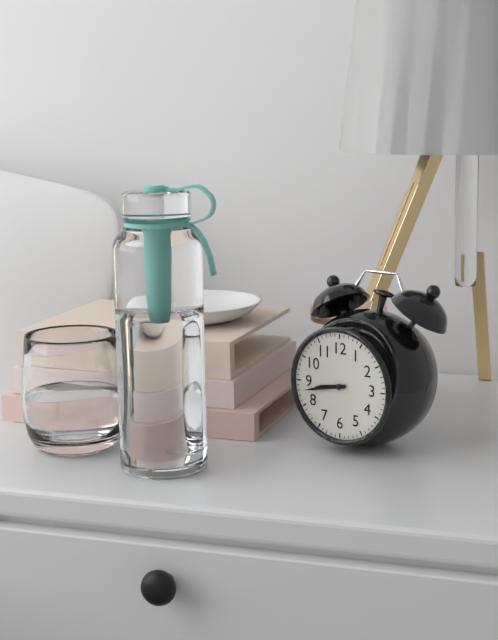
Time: {"hour": 8, "minute": 43}
